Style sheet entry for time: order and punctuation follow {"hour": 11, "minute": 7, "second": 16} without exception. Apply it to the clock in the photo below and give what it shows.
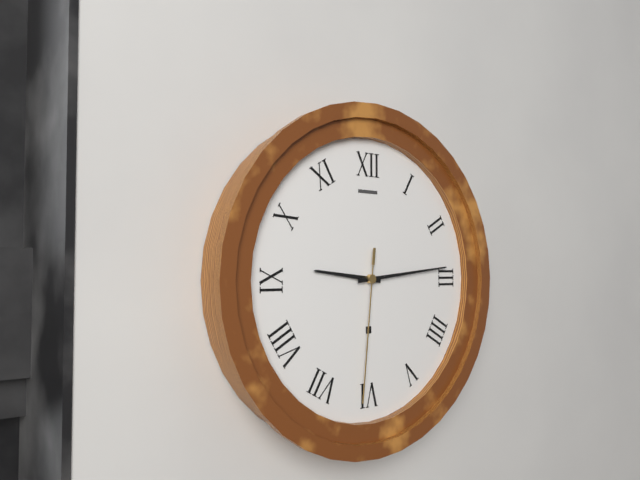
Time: {"hour": 9, "minute": 14, "second": 31}
